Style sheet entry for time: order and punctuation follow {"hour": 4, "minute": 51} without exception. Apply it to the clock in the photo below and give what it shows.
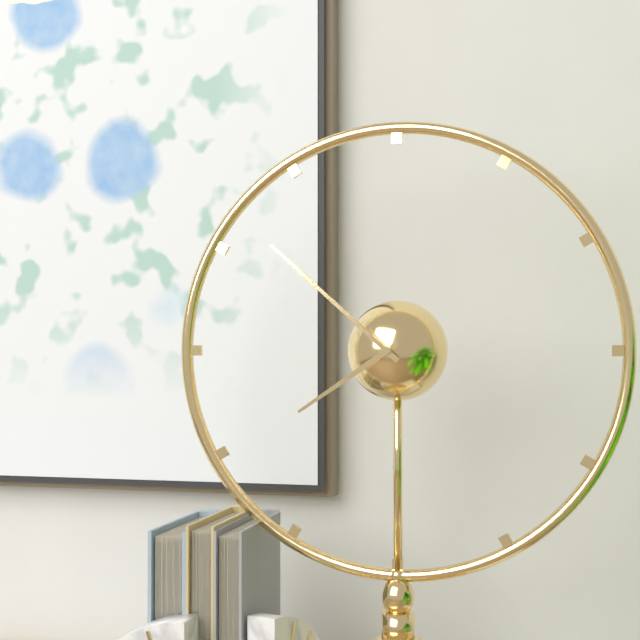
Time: {"hour": 7, "minute": 52}
